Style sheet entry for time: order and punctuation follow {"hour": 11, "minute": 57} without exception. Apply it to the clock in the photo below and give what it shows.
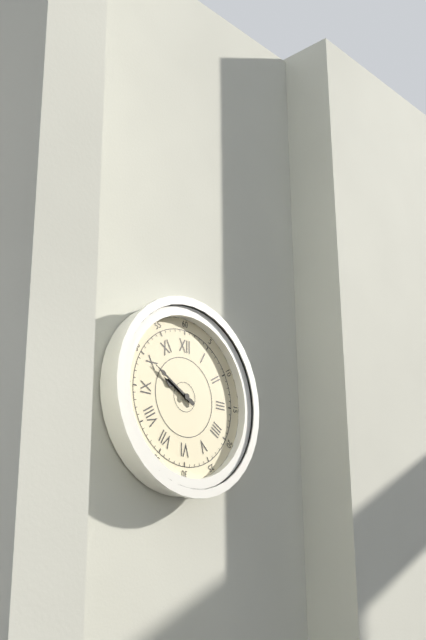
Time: {"hour": 9, "minute": 50}
